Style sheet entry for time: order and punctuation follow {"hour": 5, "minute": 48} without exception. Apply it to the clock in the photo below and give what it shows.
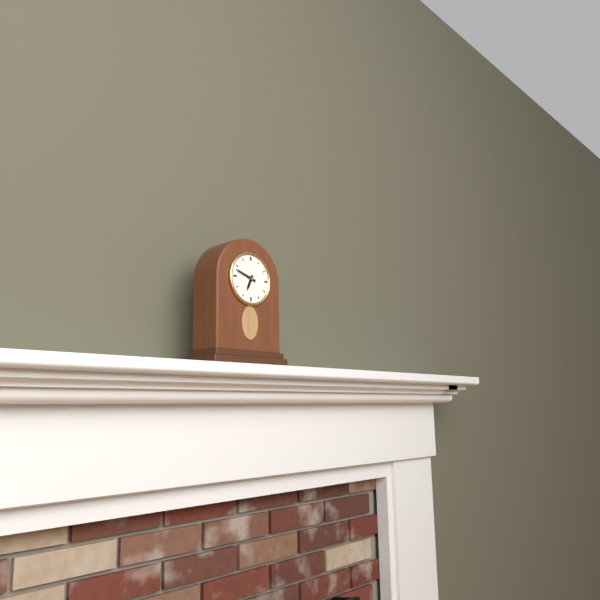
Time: {"hour": 6, "minute": 48}
